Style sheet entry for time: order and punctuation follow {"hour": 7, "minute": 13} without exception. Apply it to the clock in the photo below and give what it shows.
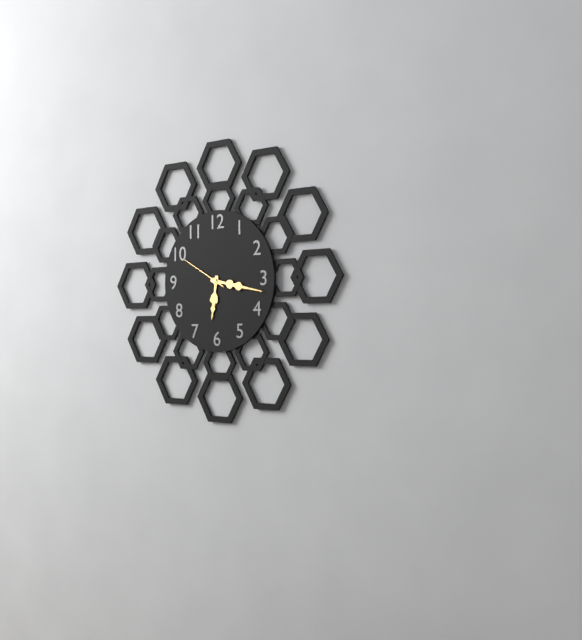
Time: {"hour": 6, "minute": 17}
